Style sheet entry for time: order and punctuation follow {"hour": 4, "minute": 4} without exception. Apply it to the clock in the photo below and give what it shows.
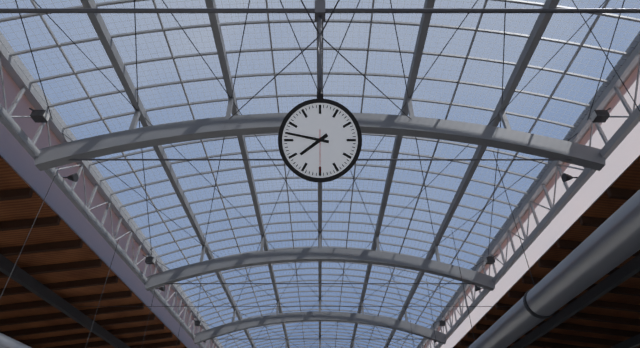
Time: {"hour": 7, "minute": 47}
